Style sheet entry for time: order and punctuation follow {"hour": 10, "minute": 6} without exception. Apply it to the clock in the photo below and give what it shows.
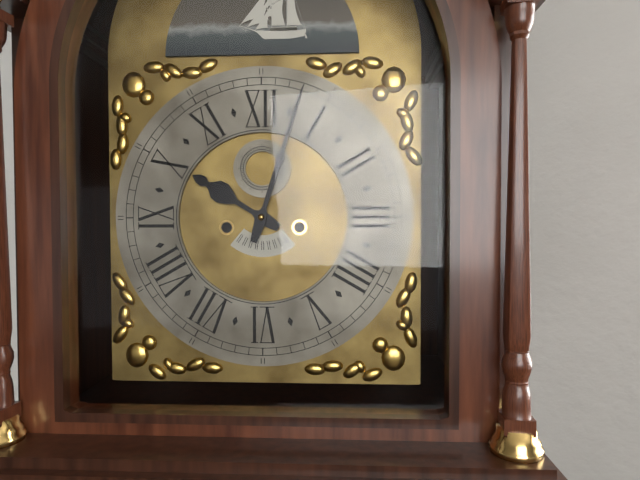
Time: {"hour": 10, "minute": 3}
